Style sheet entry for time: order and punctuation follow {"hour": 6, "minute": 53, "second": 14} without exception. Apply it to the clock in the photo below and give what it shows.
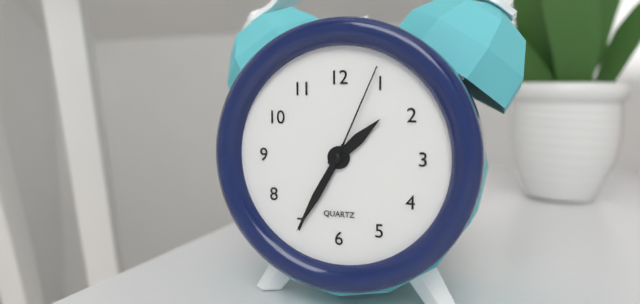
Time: {"hour": 1, "minute": 35, "second": 4}
